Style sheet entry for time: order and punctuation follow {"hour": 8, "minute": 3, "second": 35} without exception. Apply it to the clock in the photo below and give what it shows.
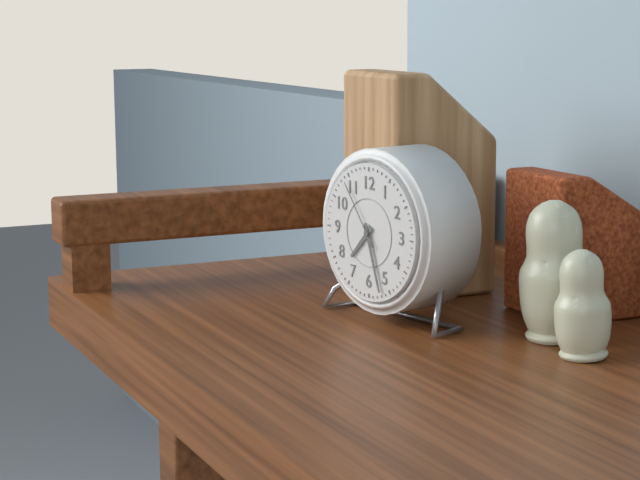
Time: {"hour": 7, "minute": 27, "second": 54}
